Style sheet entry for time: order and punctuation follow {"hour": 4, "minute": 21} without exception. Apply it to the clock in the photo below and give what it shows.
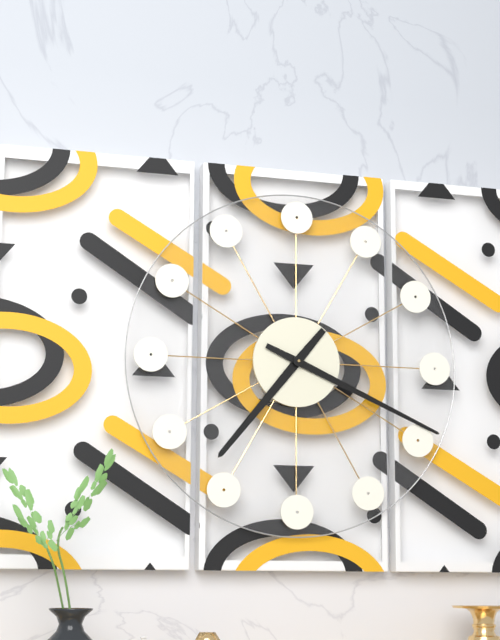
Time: {"hour": 7, "minute": 19}
